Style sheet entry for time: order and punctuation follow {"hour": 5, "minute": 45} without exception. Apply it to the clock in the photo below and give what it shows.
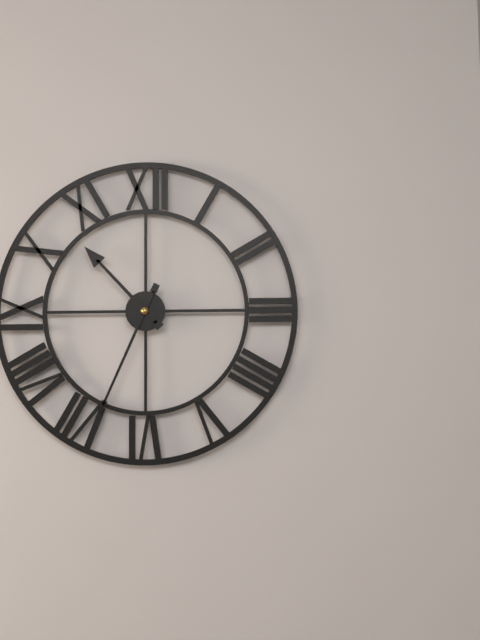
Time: {"hour": 10, "minute": 34}
